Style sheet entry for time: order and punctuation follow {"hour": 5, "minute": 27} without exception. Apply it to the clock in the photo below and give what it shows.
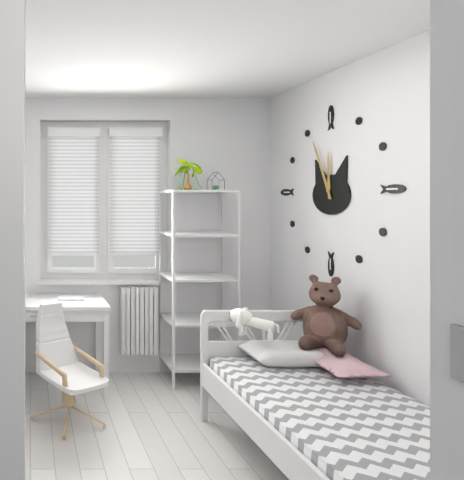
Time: {"hour": 11, "minute": 56}
